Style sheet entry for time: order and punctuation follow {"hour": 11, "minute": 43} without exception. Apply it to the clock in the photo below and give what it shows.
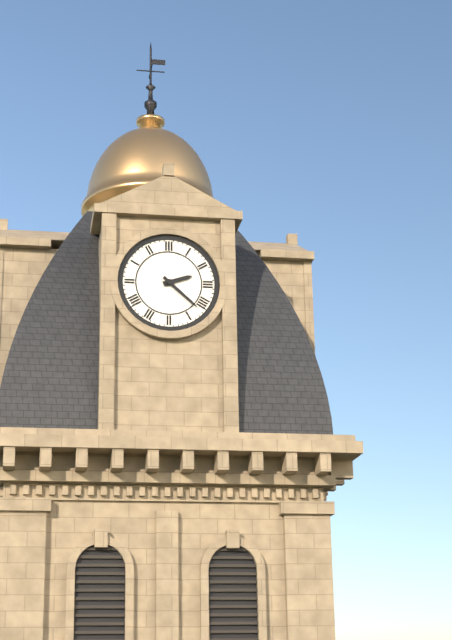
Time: {"hour": 2, "minute": 22}
